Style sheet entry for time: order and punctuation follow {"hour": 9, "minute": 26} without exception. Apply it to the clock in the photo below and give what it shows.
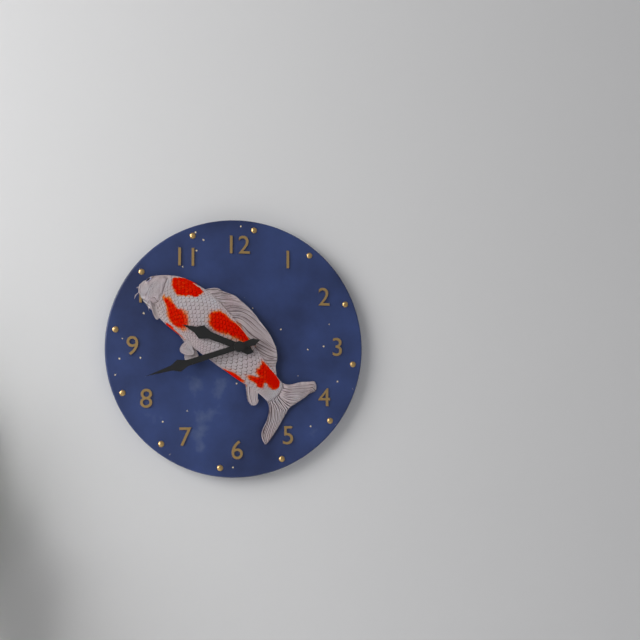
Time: {"hour": 9, "minute": 42}
